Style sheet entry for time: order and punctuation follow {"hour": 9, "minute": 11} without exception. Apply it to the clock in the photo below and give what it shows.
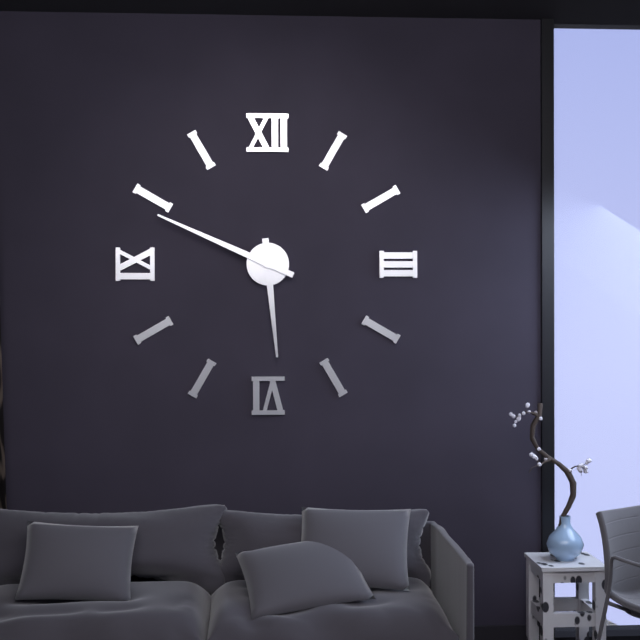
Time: {"hour": 5, "minute": 49}
